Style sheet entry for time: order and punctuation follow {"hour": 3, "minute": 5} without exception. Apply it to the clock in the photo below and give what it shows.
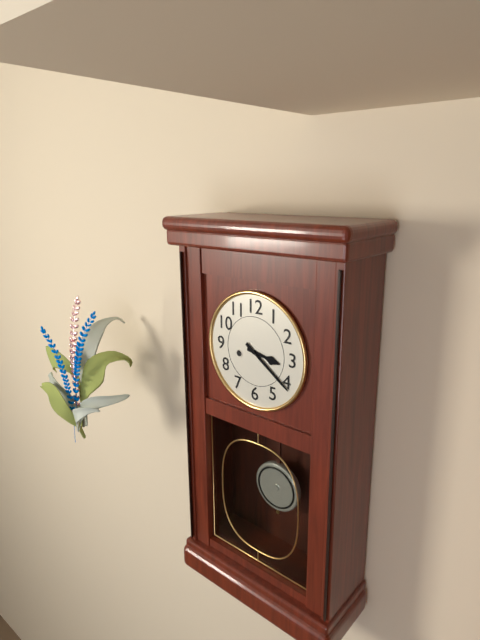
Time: {"hour": 3, "minute": 21}
